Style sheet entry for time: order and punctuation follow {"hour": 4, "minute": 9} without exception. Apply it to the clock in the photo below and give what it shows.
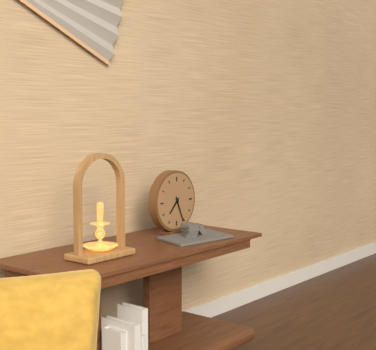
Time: {"hour": 7, "minute": 26}
